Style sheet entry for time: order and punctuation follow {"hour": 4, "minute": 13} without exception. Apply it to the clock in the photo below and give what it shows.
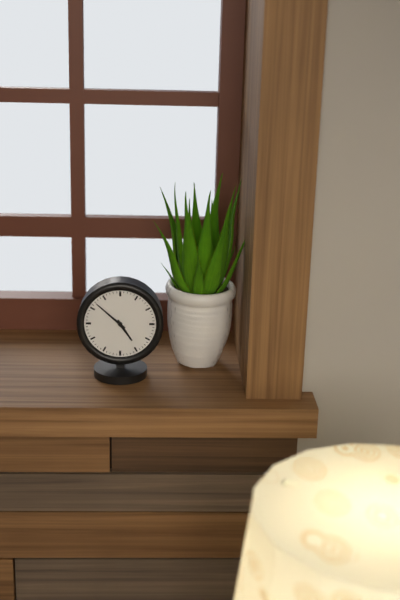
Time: {"hour": 4, "minute": 52}
